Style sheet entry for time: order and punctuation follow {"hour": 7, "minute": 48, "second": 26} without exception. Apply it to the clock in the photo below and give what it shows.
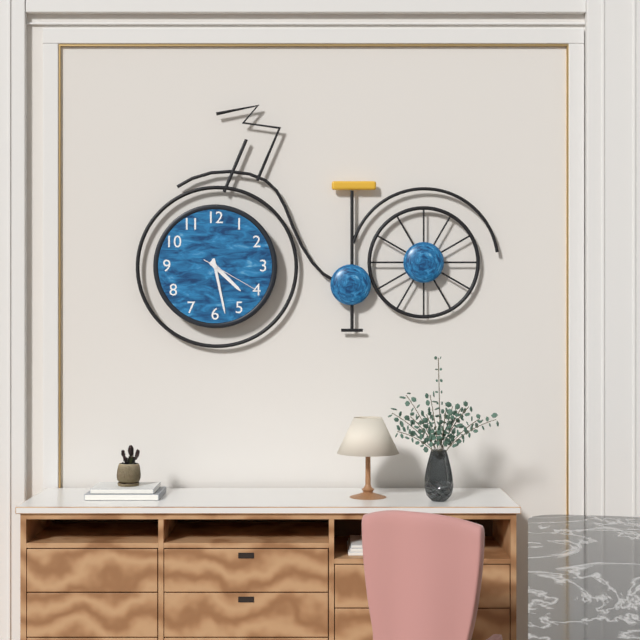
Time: {"hour": 4, "minute": 28, "second": 20}
